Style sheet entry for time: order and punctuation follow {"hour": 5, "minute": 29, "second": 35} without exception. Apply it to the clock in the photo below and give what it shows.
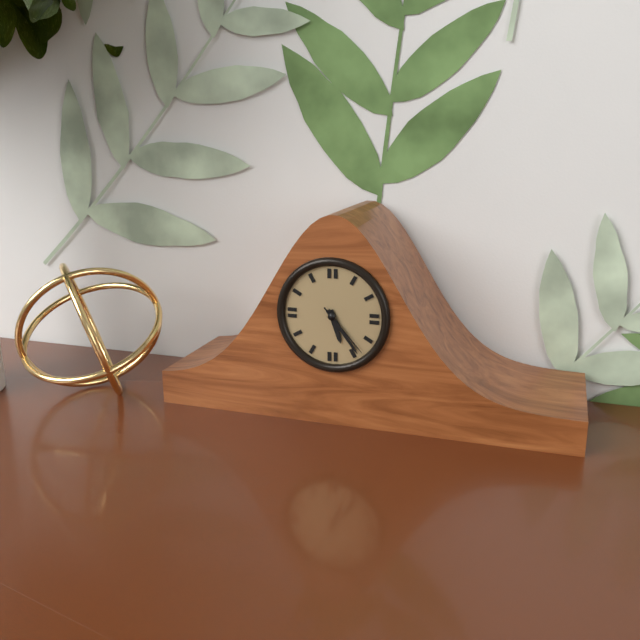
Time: {"hour": 5, "minute": 24, "second": 23}
